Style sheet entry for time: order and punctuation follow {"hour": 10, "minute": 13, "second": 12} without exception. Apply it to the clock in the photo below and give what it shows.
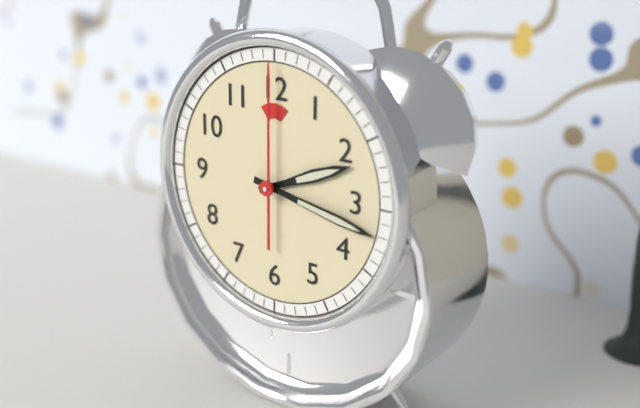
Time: {"hour": 2, "minute": 17, "second": 0}
